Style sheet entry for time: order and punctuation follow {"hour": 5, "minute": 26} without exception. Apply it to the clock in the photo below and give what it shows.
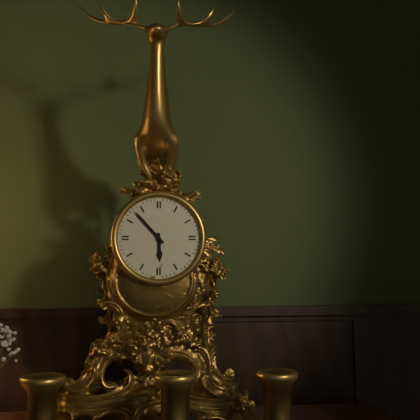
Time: {"hour": 5, "minute": 53}
